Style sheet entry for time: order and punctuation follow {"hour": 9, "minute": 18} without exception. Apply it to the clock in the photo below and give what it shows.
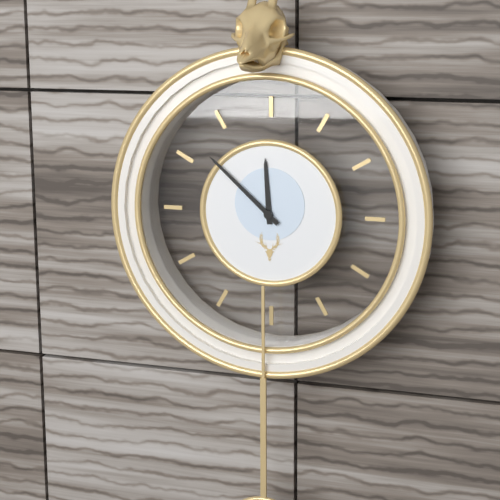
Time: {"hour": 11, "minute": 52}
